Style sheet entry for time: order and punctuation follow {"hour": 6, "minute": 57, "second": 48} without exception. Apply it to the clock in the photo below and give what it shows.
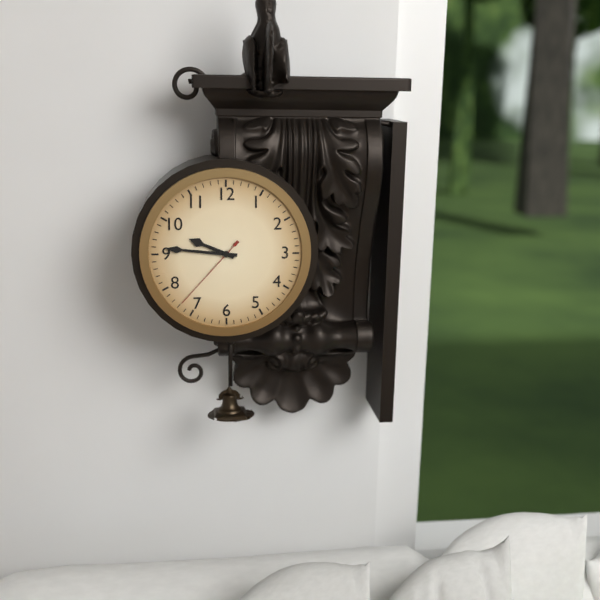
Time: {"hour": 9, "minute": 46, "second": 37}
